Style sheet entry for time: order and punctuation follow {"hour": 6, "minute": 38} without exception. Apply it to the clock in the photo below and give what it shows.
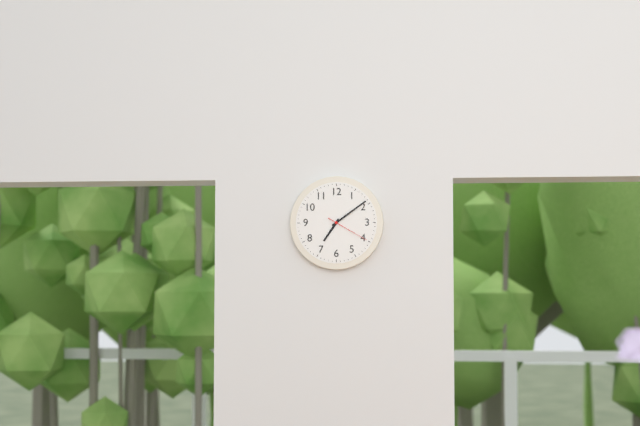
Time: {"hour": 7, "minute": 9}
